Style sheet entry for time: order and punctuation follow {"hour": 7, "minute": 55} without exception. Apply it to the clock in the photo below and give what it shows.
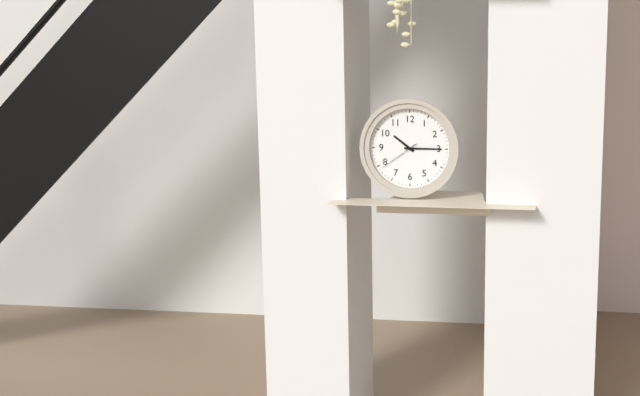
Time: {"hour": 10, "minute": 15}
